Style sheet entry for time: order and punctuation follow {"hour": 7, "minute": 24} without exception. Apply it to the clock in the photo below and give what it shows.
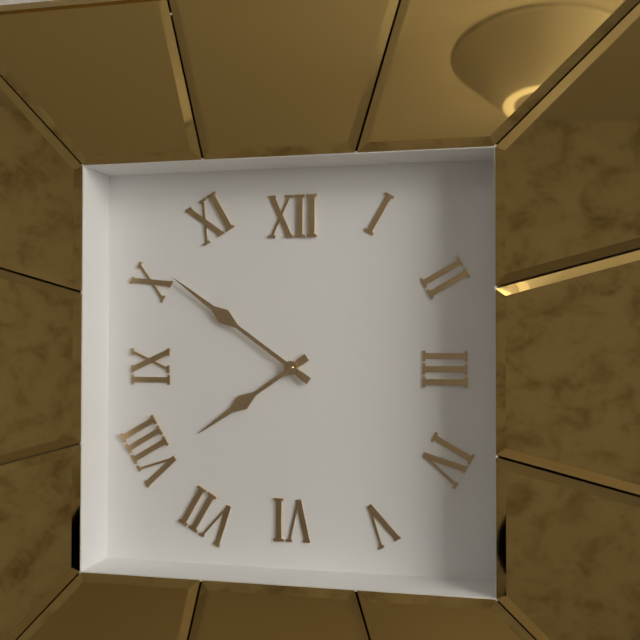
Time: {"hour": 7, "minute": 51}
